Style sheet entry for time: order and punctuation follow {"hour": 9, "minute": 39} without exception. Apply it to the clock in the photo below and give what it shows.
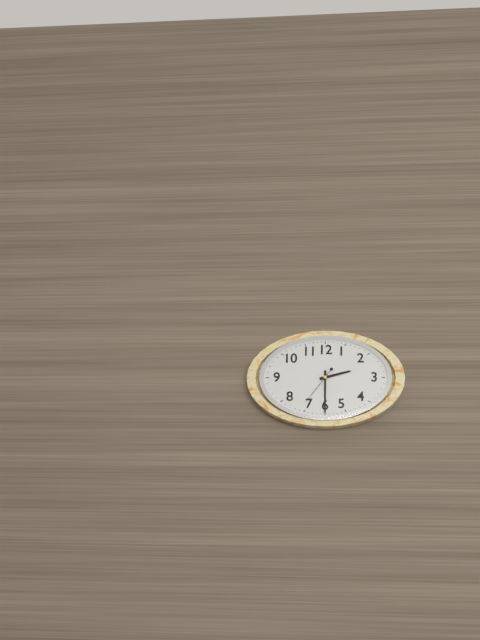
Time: {"hour": 2, "minute": 30}
